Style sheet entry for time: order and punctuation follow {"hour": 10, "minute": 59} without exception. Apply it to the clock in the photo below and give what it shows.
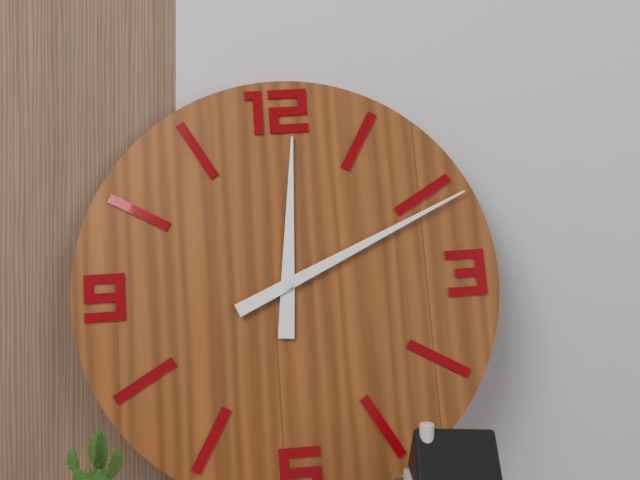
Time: {"hour": 12, "minute": 11}
